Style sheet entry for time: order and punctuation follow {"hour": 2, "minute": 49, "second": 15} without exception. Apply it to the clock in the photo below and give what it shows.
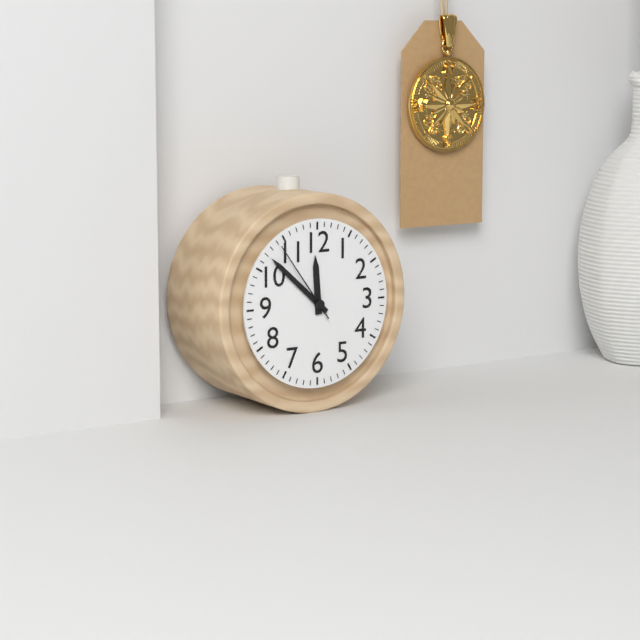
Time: {"hour": 11, "minute": 52, "second": 54}
